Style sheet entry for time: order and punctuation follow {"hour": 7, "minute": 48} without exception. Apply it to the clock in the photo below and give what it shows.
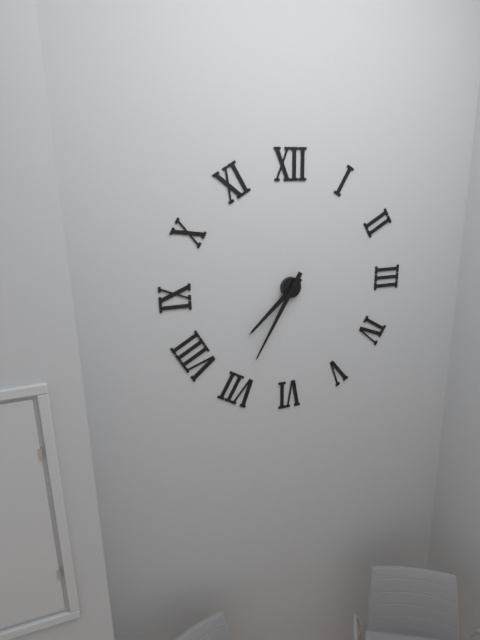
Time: {"hour": 7, "minute": 35}
